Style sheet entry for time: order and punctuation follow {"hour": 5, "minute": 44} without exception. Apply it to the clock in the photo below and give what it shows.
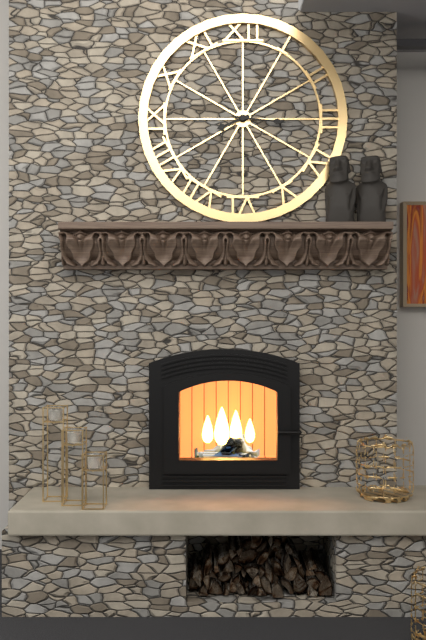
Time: {"hour": 8, "minute": 16}
